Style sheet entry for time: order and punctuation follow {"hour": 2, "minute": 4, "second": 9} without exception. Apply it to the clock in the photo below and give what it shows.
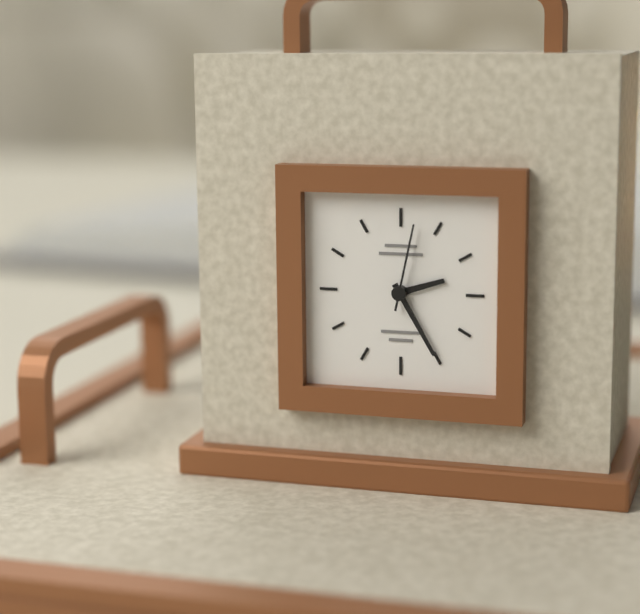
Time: {"hour": 2, "minute": 25, "second": 2}
